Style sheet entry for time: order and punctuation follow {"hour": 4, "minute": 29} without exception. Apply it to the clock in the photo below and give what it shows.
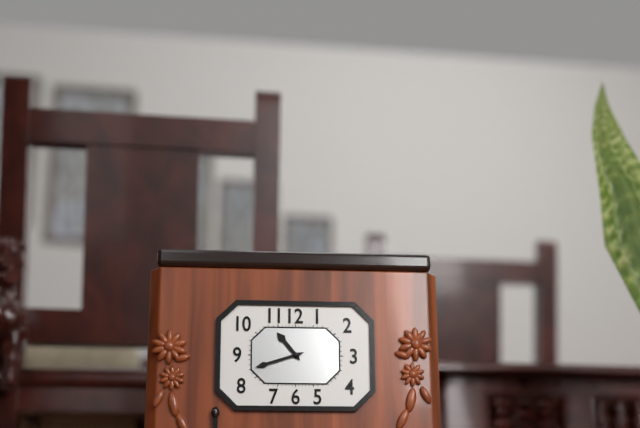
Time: {"hour": 10, "minute": 42}
